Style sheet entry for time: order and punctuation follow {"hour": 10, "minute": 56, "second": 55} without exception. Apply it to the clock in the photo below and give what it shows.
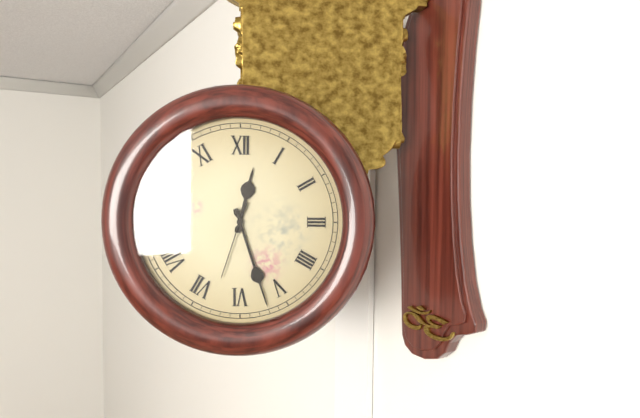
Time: {"hour": 12, "minute": 27, "second": 33}
